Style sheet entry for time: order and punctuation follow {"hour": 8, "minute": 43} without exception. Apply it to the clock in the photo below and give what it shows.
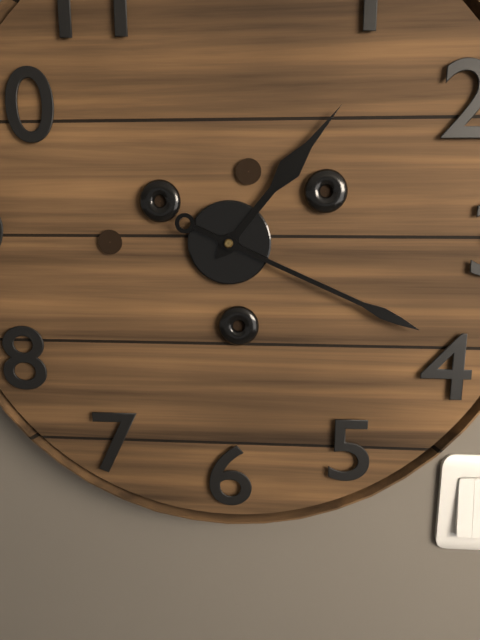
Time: {"hour": 1, "minute": 19}
